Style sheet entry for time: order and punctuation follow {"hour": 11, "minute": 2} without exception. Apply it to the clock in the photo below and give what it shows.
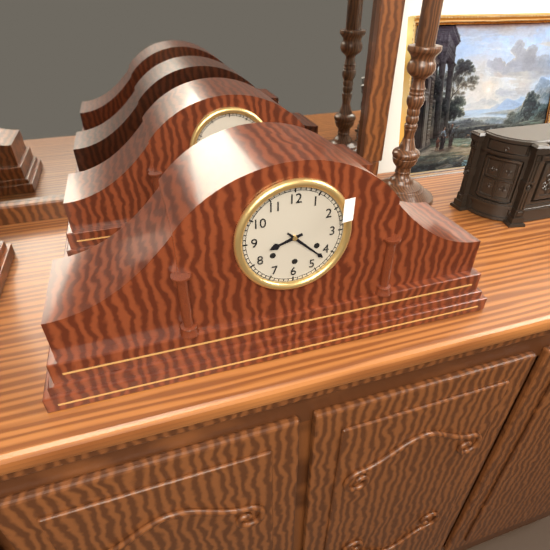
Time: {"hour": 8, "minute": 22}
